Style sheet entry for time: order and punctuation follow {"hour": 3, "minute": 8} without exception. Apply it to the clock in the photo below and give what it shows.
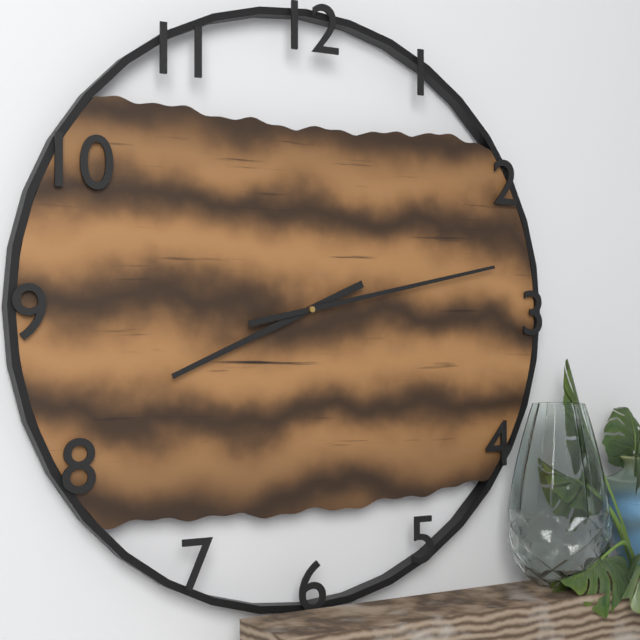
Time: {"hour": 8, "minute": 13}
